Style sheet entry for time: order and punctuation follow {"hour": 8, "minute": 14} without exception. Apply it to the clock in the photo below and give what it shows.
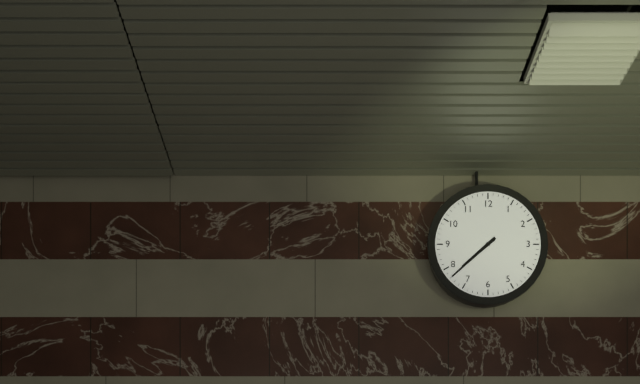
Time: {"hour": 7, "minute": 38}
